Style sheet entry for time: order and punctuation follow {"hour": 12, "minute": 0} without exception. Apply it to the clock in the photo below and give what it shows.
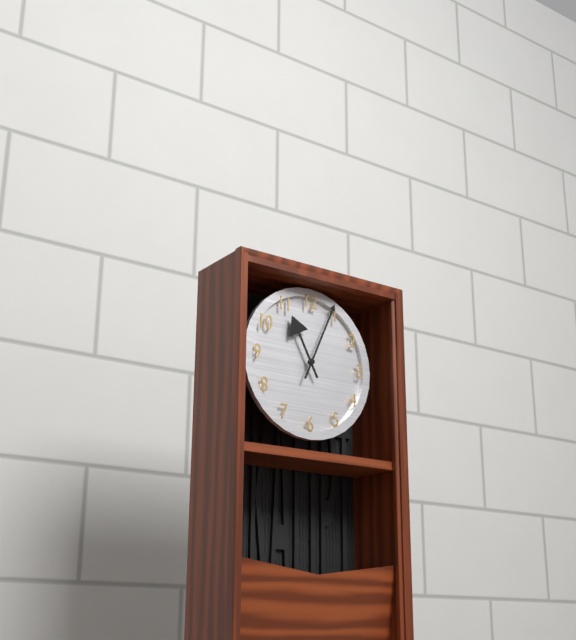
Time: {"hour": 11, "minute": 4}
